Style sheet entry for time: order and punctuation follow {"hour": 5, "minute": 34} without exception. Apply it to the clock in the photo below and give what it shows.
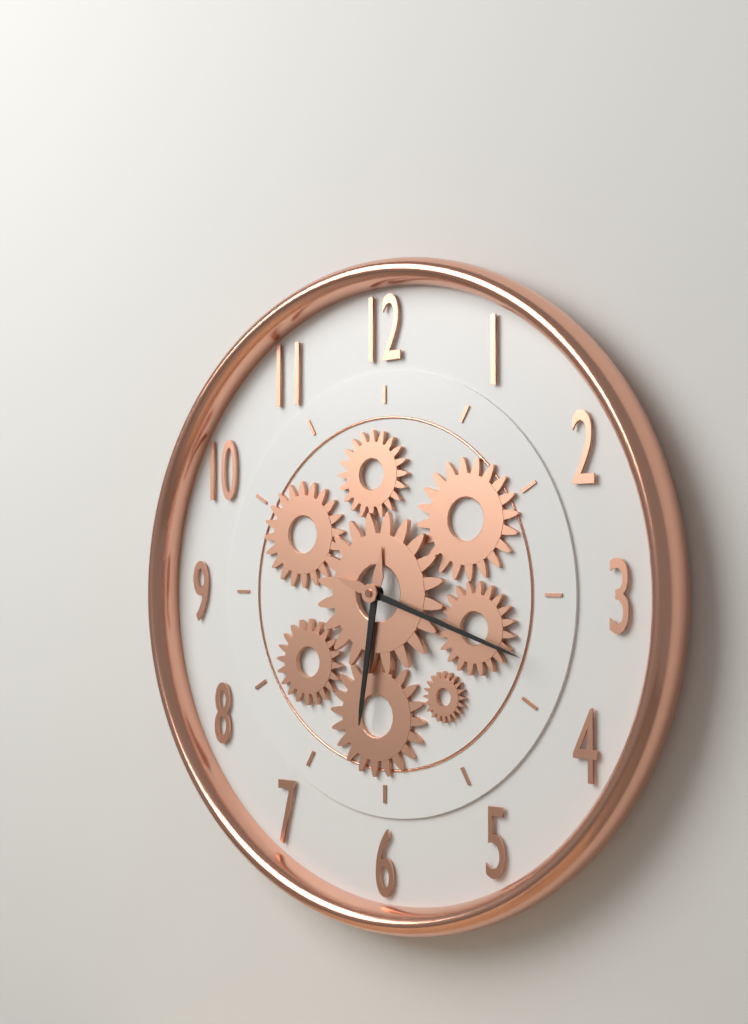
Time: {"hour": 6, "minute": 18}
